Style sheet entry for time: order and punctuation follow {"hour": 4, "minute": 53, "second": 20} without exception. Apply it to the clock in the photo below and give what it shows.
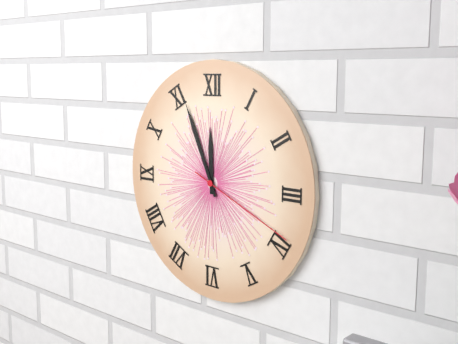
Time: {"hour": 11, "minute": 56, "second": 19}
